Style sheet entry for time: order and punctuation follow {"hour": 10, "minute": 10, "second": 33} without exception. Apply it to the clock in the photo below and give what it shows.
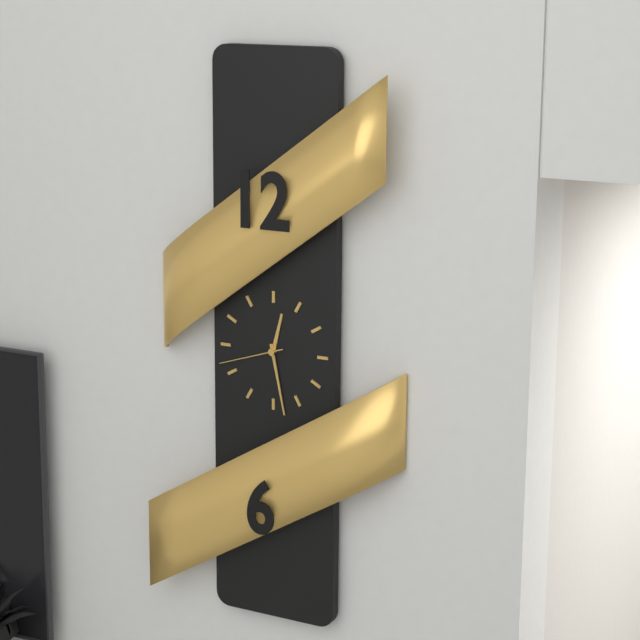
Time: {"hour": 12, "minute": 28, "second": 42}
